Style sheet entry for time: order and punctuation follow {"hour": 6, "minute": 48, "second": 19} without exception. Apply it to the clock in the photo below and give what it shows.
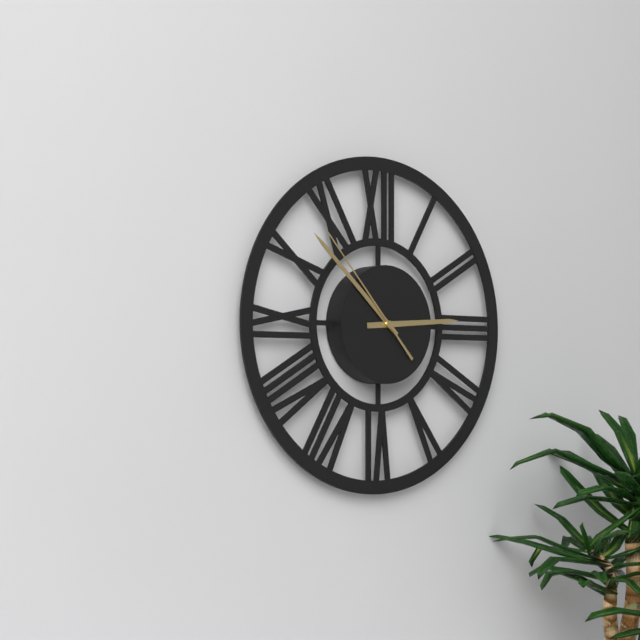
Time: {"hour": 2, "minute": 52, "second": 53}
